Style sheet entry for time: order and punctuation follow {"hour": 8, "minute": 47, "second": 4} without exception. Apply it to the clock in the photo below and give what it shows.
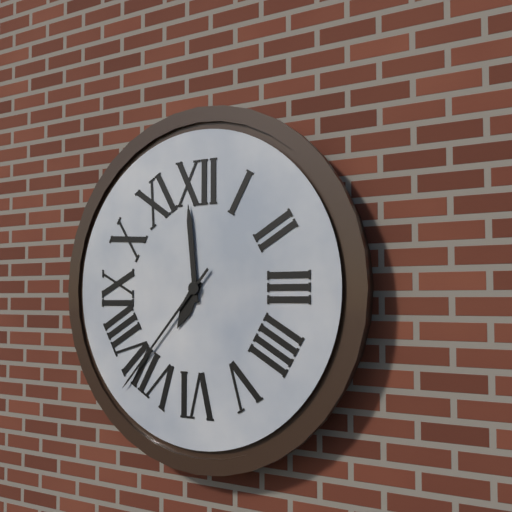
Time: {"hour": 6, "minute": 59, "second": 37}
